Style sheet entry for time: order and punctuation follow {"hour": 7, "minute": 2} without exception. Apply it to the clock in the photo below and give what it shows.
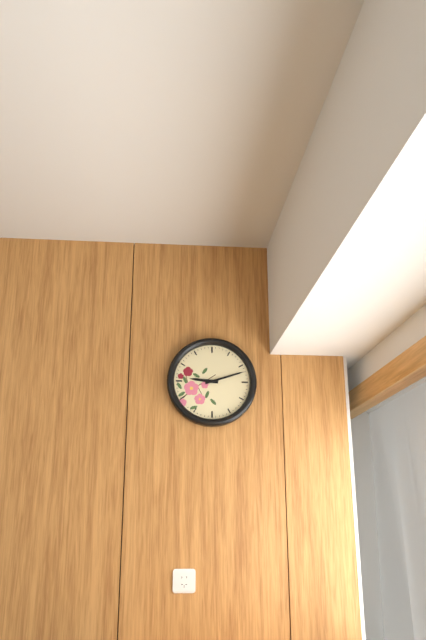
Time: {"hour": 9, "minute": 12}
